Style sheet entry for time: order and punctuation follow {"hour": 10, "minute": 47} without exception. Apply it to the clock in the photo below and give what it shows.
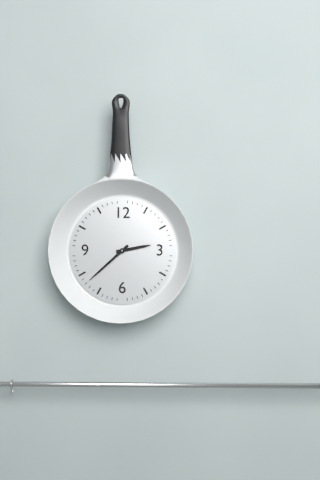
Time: {"hour": 2, "minute": 38}
